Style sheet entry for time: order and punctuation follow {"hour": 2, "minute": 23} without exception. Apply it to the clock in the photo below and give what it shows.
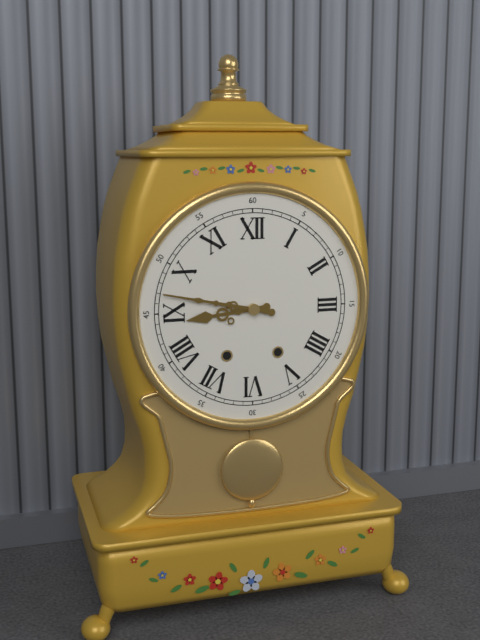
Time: {"hour": 8, "minute": 47}
